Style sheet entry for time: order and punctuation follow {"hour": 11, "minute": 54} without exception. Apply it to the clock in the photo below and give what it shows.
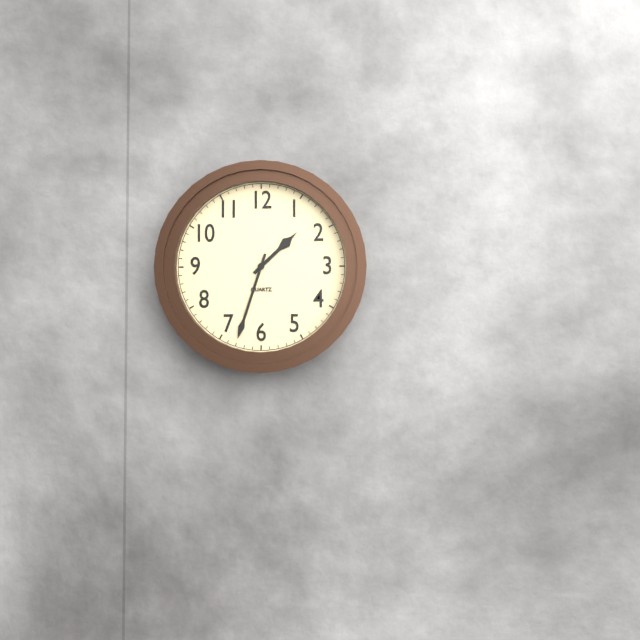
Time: {"hour": 1, "minute": 33}
